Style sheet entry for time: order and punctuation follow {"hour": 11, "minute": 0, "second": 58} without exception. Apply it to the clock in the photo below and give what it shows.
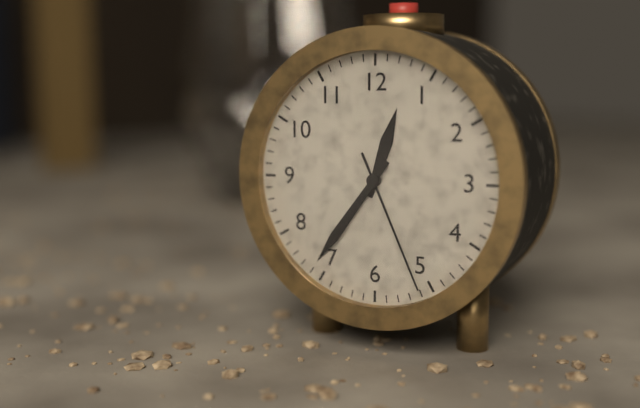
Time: {"hour": 12, "minute": 36, "second": 26}
